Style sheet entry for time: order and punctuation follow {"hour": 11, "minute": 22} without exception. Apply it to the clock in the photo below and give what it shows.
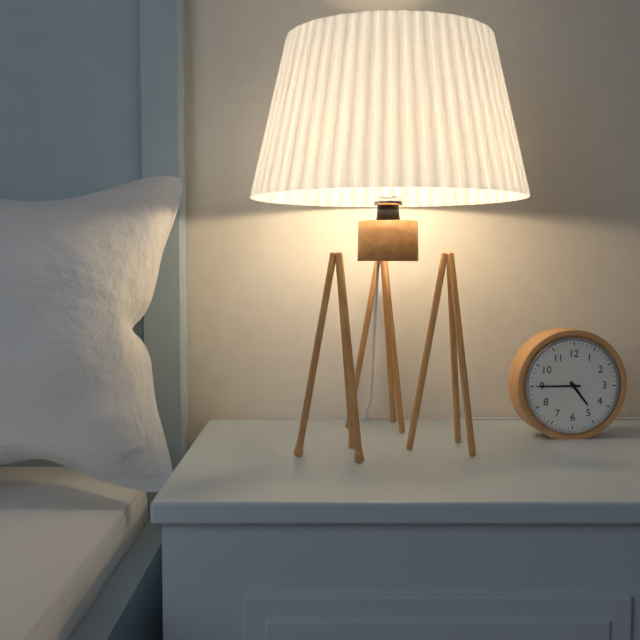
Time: {"hour": 4, "minute": 45}
